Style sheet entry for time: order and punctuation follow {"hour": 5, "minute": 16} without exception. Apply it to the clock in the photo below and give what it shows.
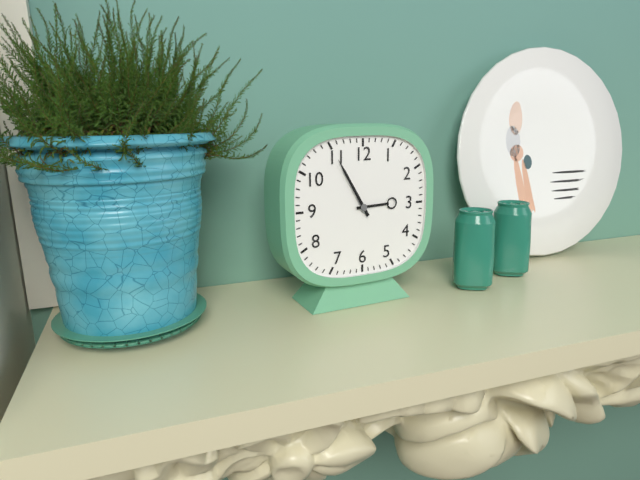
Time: {"hour": 2, "minute": 55}
